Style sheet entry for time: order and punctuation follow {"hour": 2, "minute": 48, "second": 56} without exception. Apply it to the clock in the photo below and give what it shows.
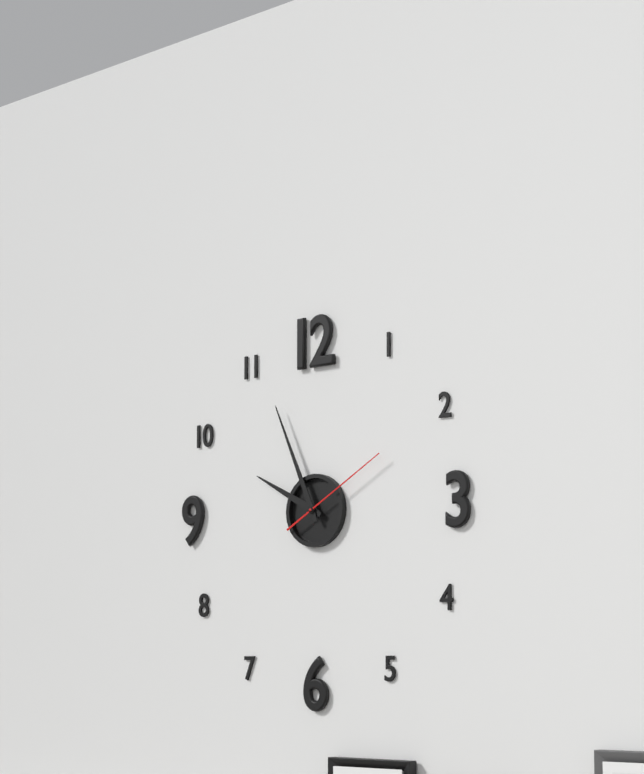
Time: {"hour": 9, "minute": 56, "second": 10}
